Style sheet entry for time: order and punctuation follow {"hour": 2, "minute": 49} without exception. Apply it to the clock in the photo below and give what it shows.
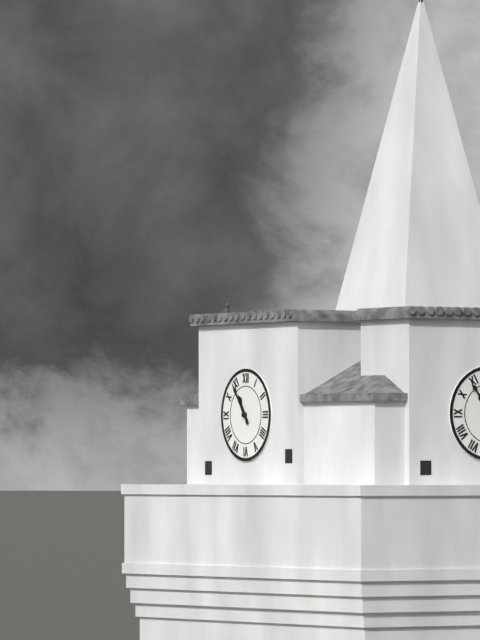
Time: {"hour": 10, "minute": 54}
